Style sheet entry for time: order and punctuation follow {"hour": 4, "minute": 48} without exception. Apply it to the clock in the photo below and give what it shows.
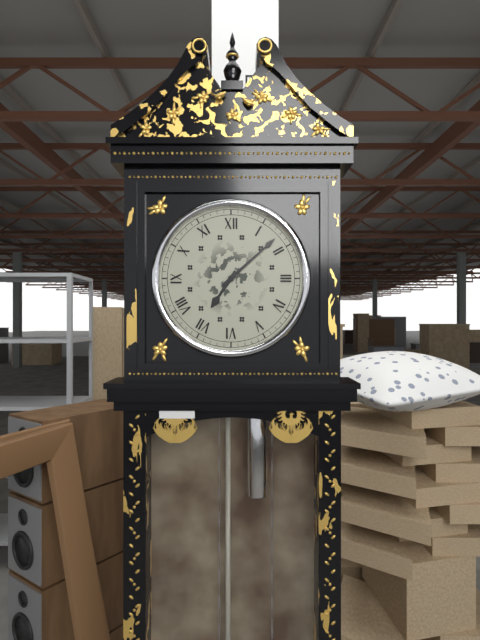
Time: {"hour": 7, "minute": 8}
